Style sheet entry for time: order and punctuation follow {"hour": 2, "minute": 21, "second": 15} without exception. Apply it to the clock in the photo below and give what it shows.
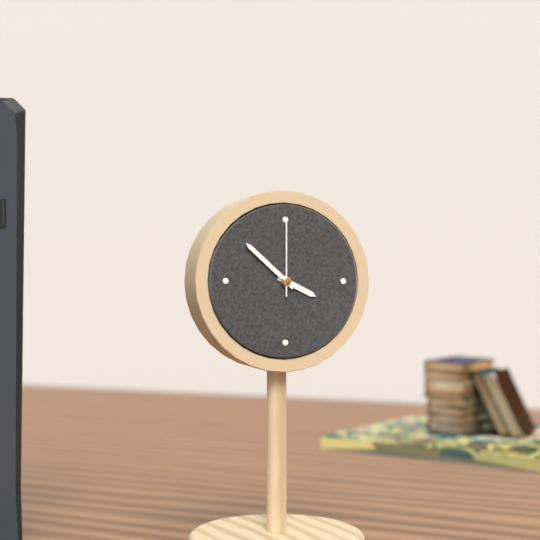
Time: {"hour": 3, "minute": 52, "second": 0}
